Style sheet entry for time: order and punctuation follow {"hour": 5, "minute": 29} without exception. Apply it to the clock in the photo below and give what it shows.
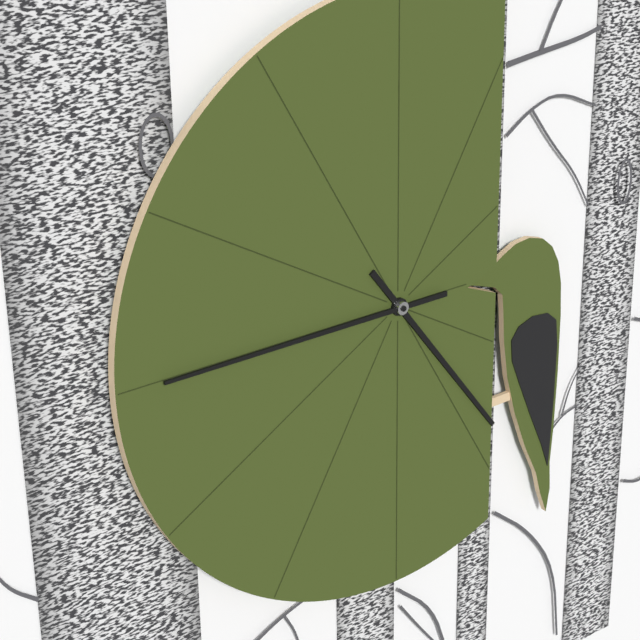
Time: {"hour": 4, "minute": 45}
